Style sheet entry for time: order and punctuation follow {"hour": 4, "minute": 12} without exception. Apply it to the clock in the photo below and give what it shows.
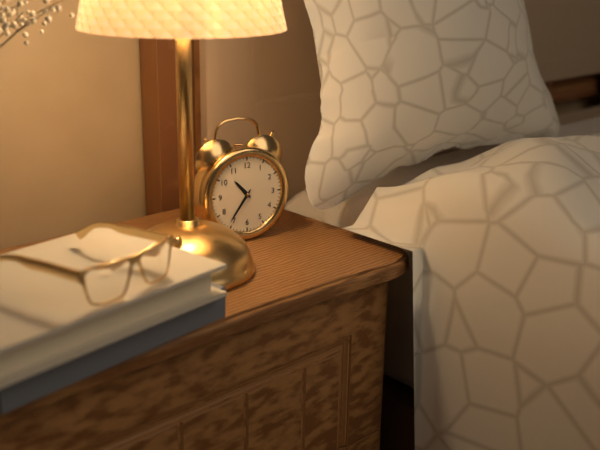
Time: {"hour": 10, "minute": 36}
